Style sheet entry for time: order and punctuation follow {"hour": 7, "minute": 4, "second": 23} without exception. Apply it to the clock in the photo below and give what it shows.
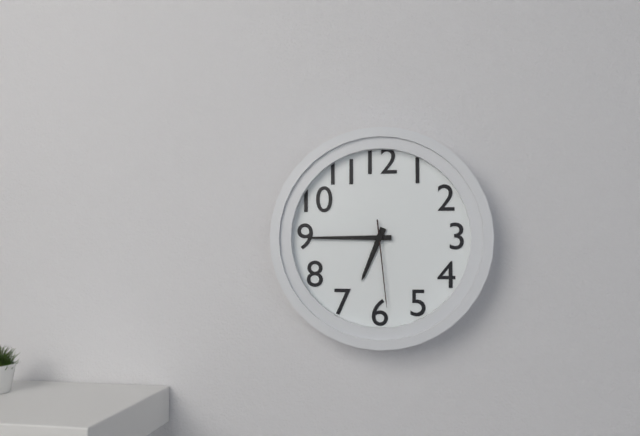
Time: {"hour": 6, "minute": 45, "second": 29}
